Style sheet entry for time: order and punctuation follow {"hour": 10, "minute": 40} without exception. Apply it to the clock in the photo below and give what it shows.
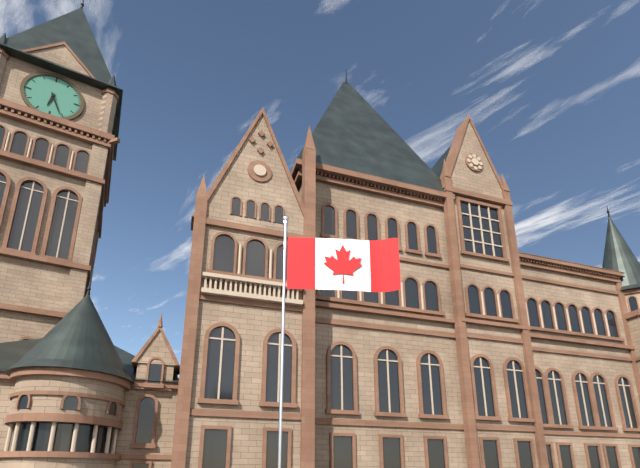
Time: {"hour": 6, "minute": 26}
